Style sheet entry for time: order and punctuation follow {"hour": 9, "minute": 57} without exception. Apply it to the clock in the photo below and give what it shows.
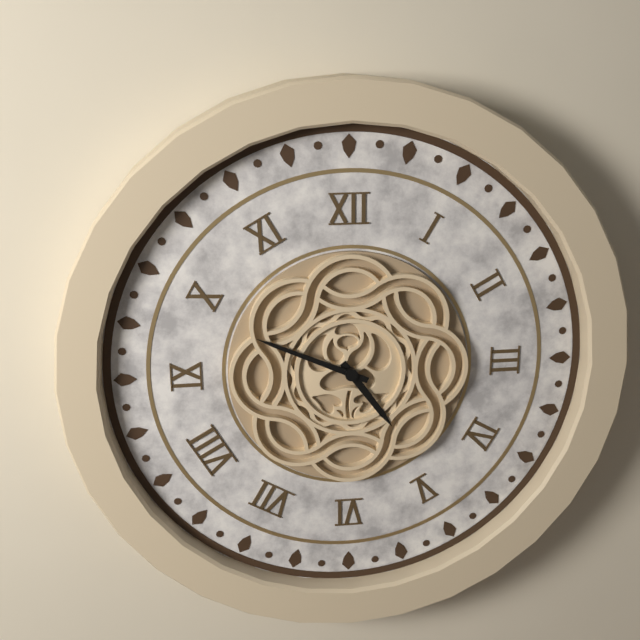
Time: {"hour": 4, "minute": 49}
